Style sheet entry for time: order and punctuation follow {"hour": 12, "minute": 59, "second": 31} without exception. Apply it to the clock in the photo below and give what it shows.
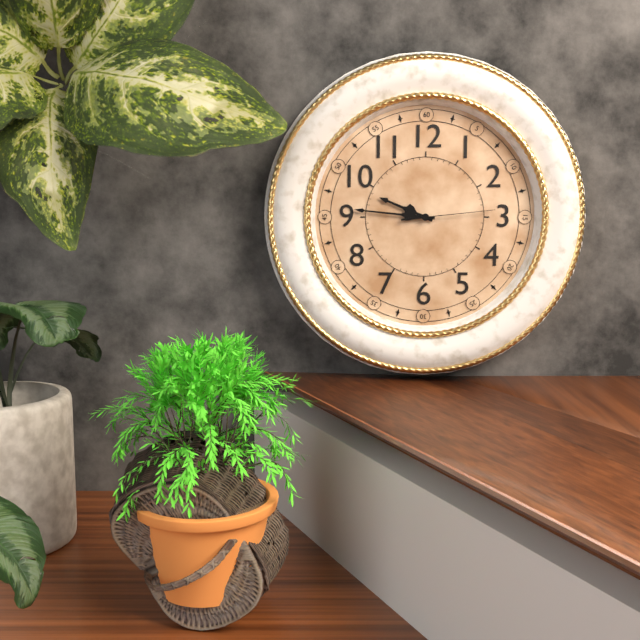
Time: {"hour": 9, "minute": 46, "second": 14}
